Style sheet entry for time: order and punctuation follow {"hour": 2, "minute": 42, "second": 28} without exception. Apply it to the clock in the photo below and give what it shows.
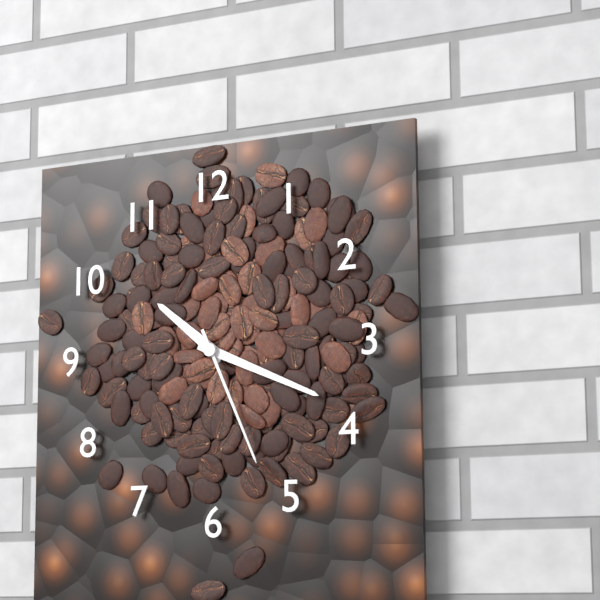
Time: {"hour": 10, "minute": 19, "second": 26}
